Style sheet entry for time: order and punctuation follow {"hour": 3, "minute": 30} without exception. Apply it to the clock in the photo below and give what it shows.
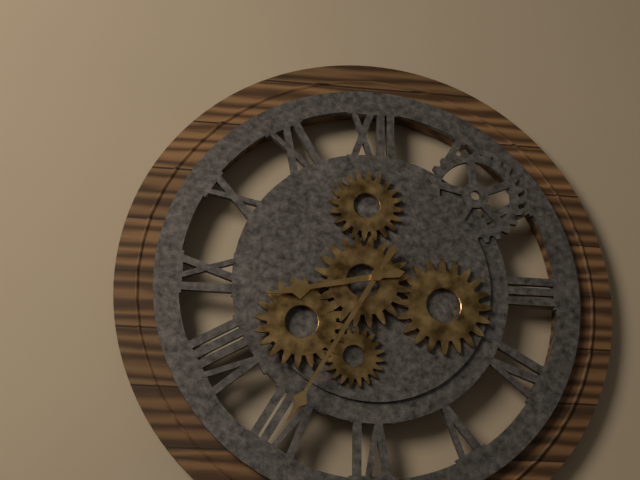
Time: {"hour": 8, "minute": 35}
